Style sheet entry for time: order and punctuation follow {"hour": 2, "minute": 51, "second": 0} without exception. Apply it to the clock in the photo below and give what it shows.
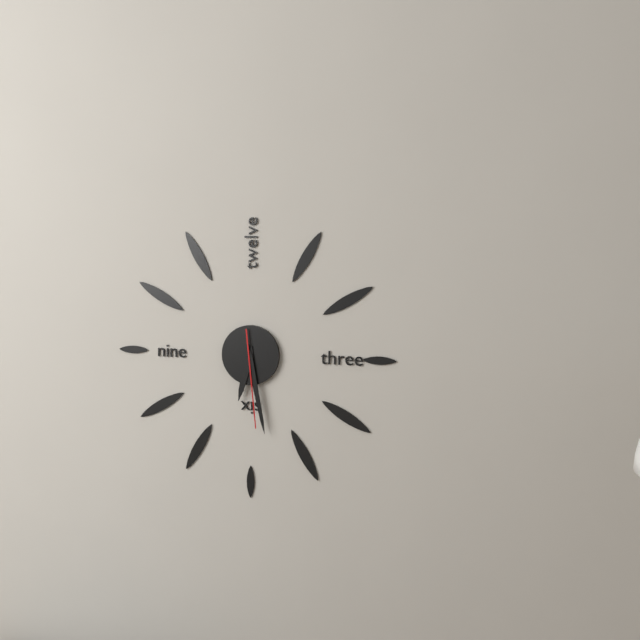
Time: {"hour": 6, "minute": 28, "second": 29}
